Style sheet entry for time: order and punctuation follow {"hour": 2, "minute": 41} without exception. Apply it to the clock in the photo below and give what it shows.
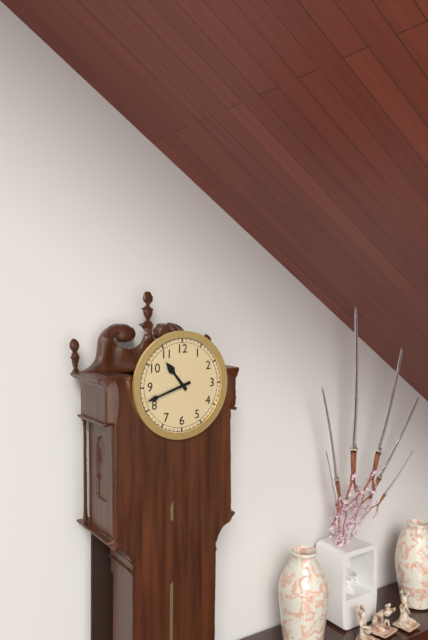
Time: {"hour": 10, "minute": 42}
